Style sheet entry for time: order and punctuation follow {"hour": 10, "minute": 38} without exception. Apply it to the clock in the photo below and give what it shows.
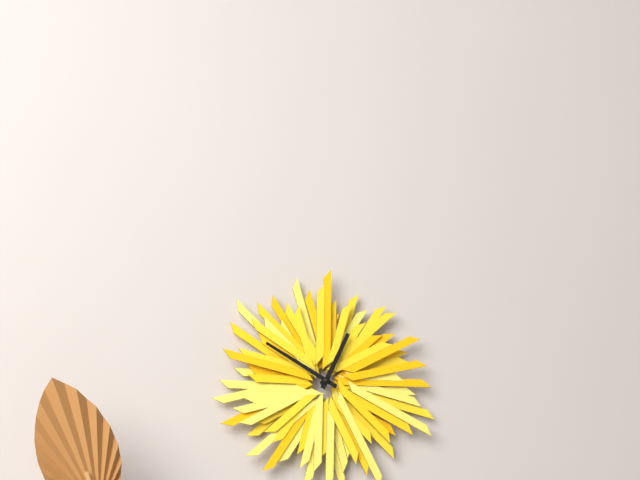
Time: {"hour": 12, "minute": 50}
